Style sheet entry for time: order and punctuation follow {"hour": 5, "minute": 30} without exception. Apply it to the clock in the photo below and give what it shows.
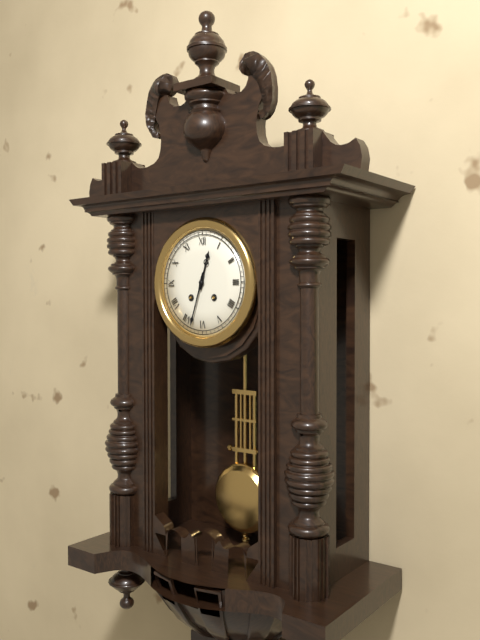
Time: {"hour": 12, "minute": 33}
